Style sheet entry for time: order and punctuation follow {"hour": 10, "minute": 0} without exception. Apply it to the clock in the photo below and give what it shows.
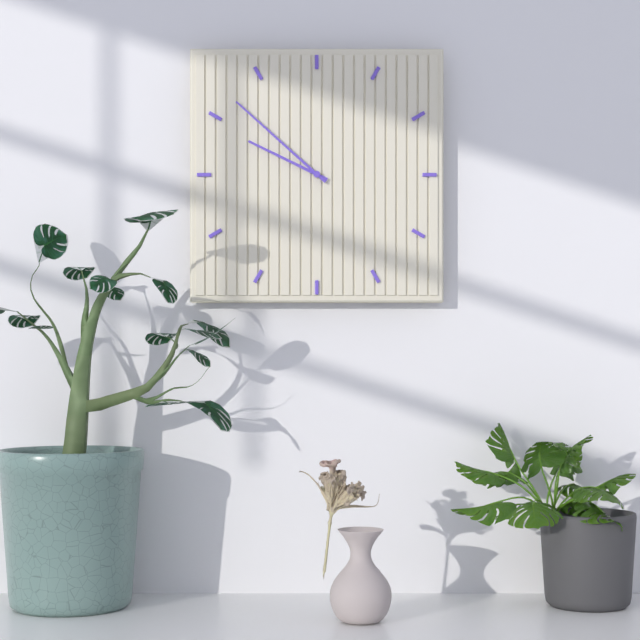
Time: {"hour": 9, "minute": 52}
